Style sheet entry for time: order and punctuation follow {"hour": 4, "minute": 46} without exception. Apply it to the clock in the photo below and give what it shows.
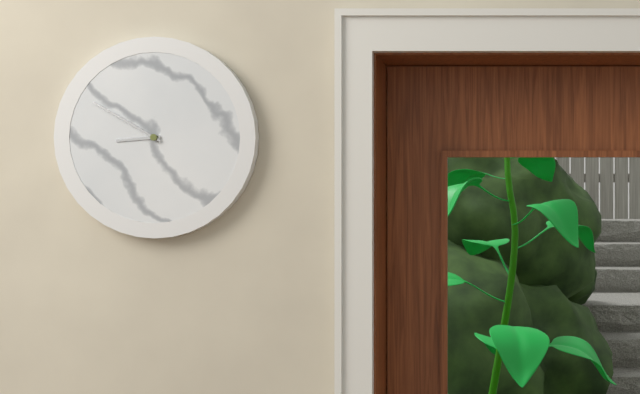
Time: {"hour": 8, "minute": 50}
